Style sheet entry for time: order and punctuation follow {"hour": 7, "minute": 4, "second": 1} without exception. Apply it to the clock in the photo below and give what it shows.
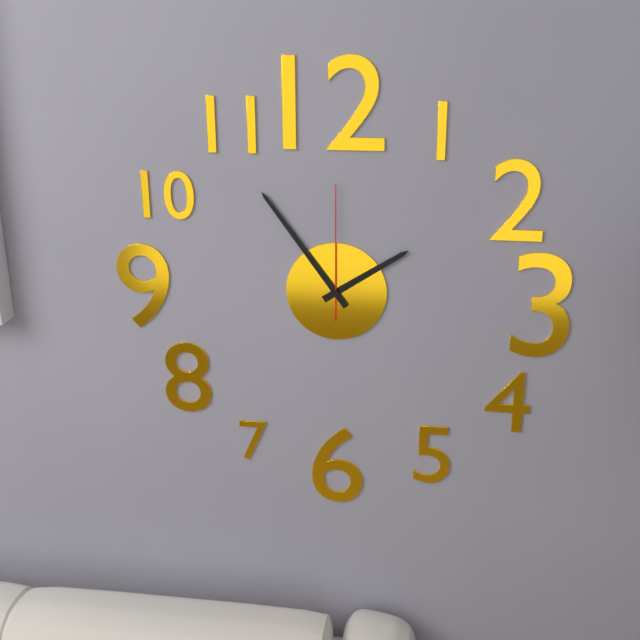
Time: {"hour": 1, "minute": 54, "second": 0}
